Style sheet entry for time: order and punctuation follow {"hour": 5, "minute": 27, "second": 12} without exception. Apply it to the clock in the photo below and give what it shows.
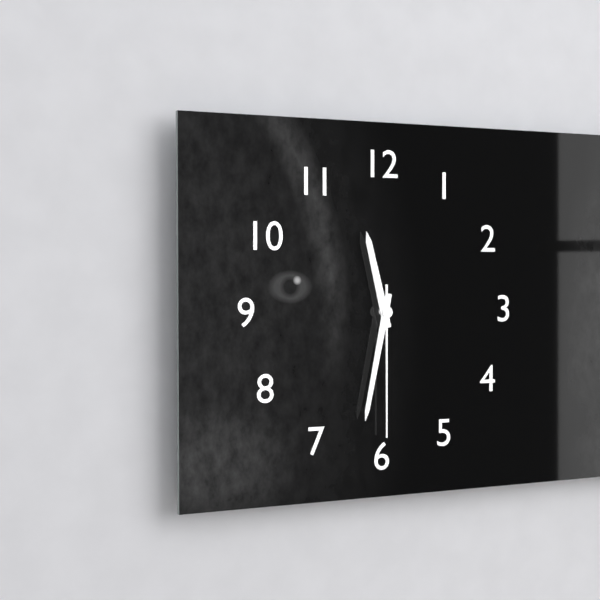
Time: {"hour": 11, "minute": 32, "second": 30}
